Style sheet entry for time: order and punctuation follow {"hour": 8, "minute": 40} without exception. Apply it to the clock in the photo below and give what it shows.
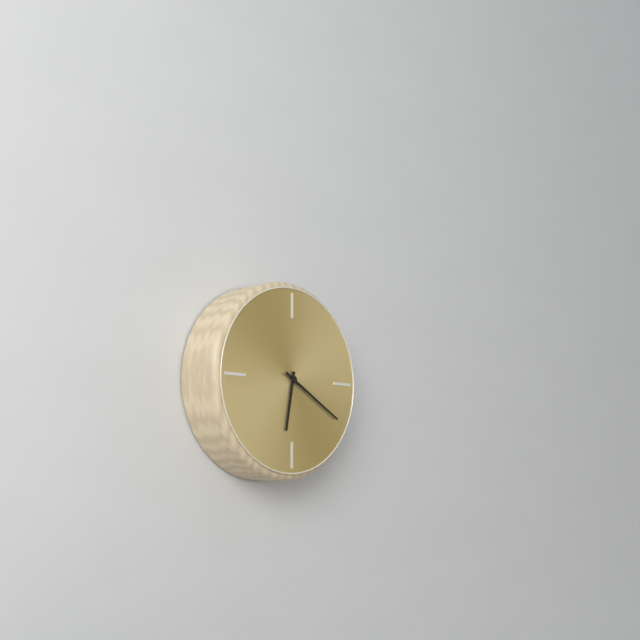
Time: {"hour": 6, "minute": 20}
